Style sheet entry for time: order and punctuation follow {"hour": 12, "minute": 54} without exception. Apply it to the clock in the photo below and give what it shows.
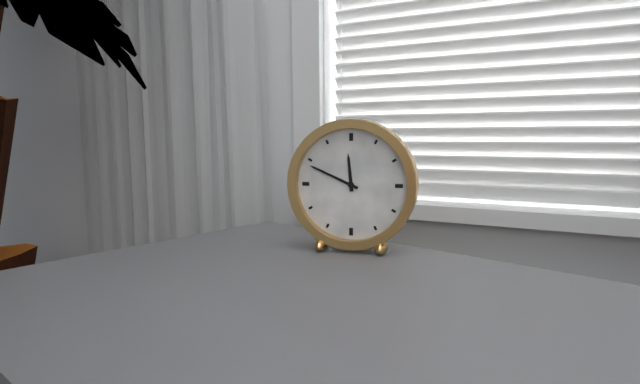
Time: {"hour": 11, "minute": 49}
